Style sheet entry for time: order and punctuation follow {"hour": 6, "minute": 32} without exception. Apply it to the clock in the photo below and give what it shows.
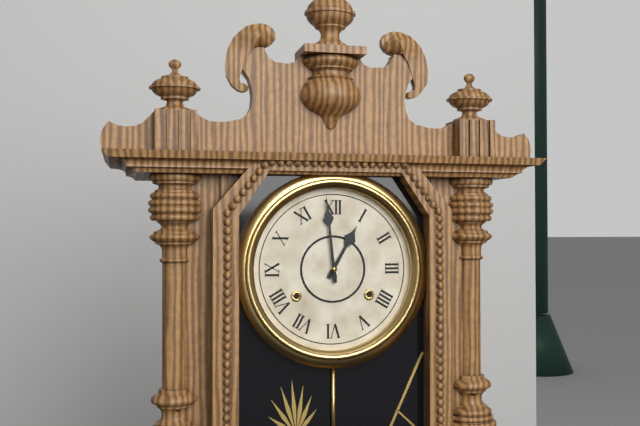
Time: {"hour": 12, "minute": 59}
